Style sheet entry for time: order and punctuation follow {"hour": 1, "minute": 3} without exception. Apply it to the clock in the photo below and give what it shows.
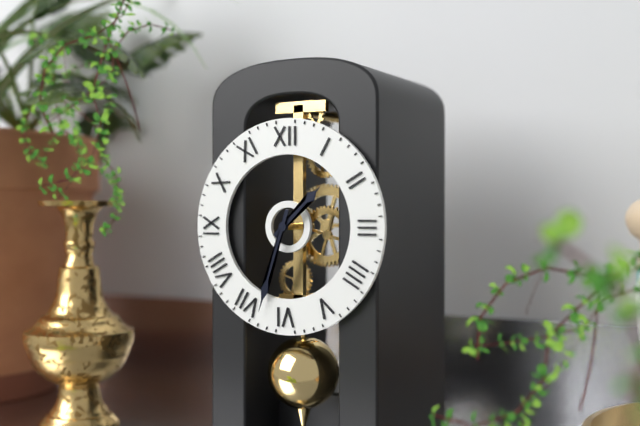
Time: {"hour": 1, "minute": 33}
